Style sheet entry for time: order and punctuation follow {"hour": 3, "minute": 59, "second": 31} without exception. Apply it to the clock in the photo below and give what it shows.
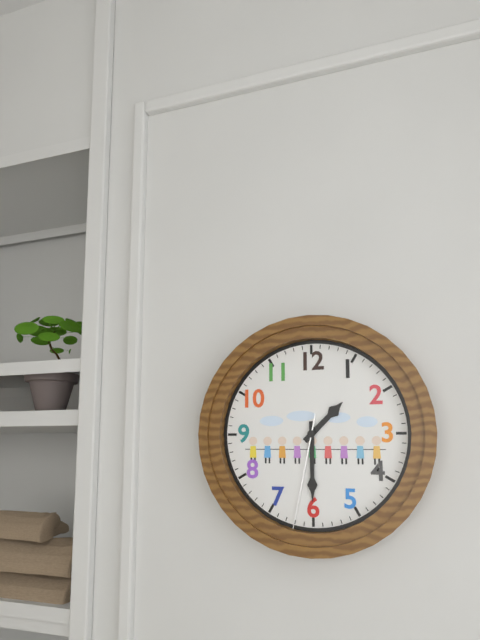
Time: {"hour": 1, "minute": 30, "second": 32}
